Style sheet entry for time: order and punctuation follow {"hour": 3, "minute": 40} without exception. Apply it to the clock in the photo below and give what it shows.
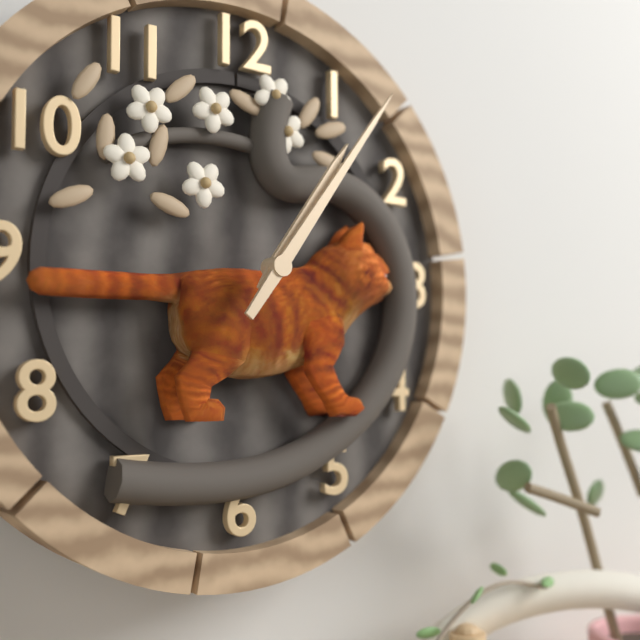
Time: {"hour": 1, "minute": 6}
